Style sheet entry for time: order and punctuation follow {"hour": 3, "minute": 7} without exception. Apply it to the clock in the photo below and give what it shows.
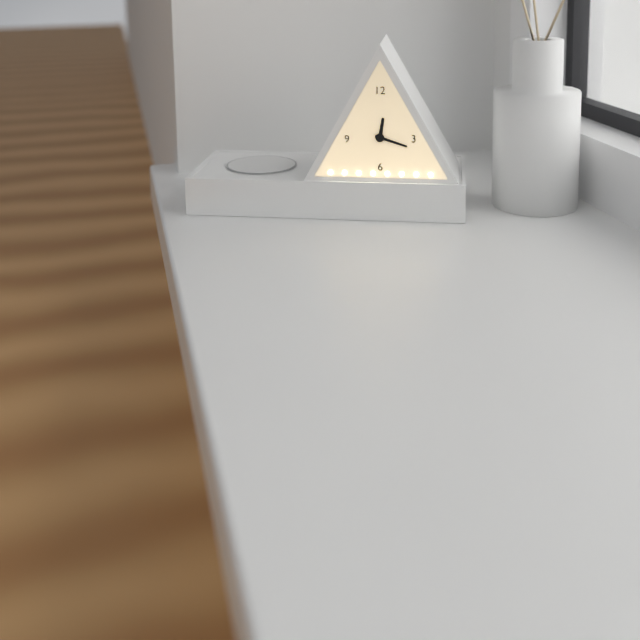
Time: {"hour": 12, "minute": 18}
